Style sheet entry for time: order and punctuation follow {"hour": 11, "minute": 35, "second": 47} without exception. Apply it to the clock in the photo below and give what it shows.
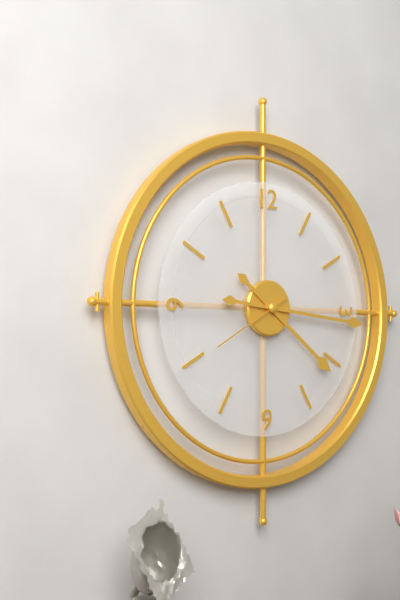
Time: {"hour": 4, "minute": 16, "second": 40}
